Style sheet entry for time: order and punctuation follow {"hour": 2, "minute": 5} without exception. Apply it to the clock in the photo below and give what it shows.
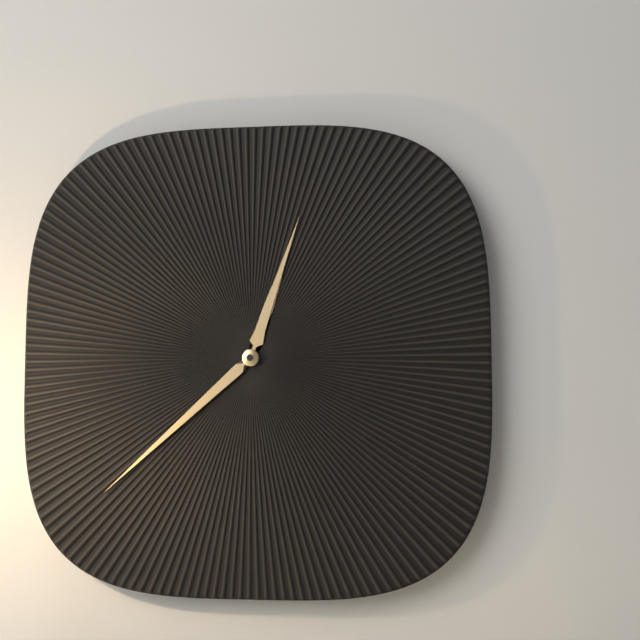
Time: {"hour": 12, "minute": 38}
